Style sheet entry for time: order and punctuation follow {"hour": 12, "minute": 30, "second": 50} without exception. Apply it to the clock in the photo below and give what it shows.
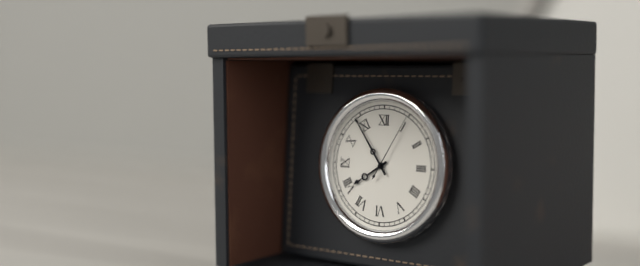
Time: {"hour": 7, "minute": 54, "second": 5}
